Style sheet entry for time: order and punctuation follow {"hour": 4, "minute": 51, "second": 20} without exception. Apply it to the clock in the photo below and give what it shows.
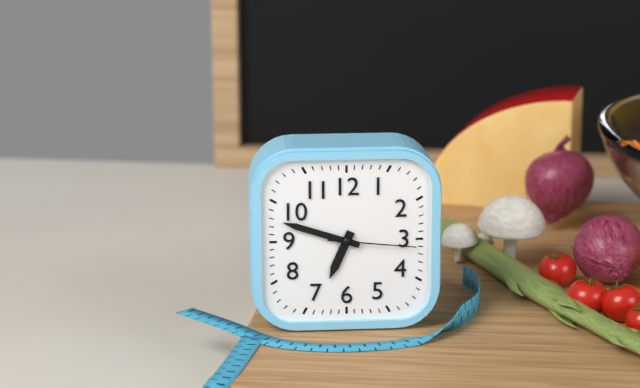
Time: {"hour": 6, "minute": 48, "second": 16}
